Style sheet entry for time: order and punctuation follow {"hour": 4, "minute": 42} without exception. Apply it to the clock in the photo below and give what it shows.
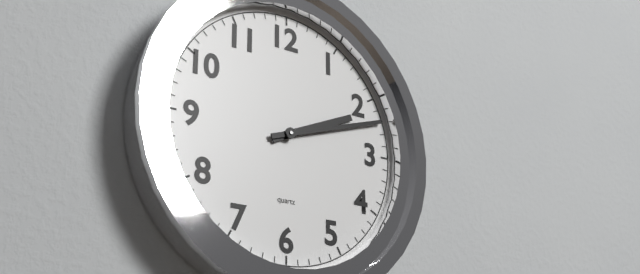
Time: {"hour": 2, "minute": 12}
